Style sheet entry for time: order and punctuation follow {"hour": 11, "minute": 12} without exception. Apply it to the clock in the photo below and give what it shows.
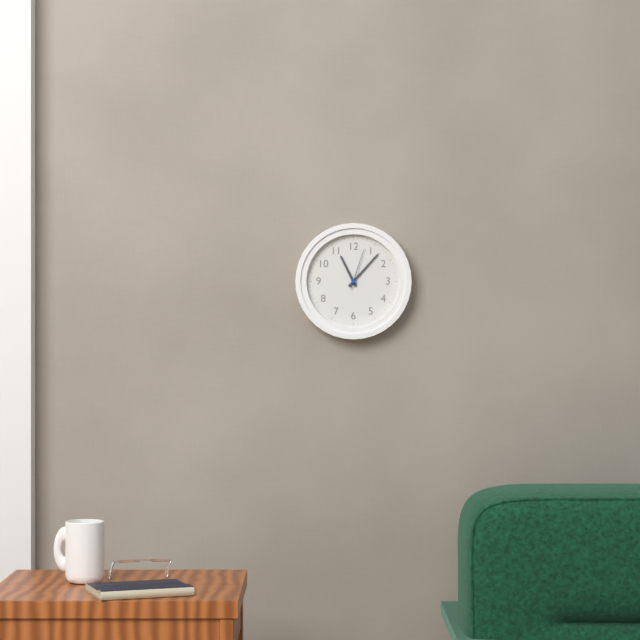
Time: {"hour": 11, "minute": 7}
